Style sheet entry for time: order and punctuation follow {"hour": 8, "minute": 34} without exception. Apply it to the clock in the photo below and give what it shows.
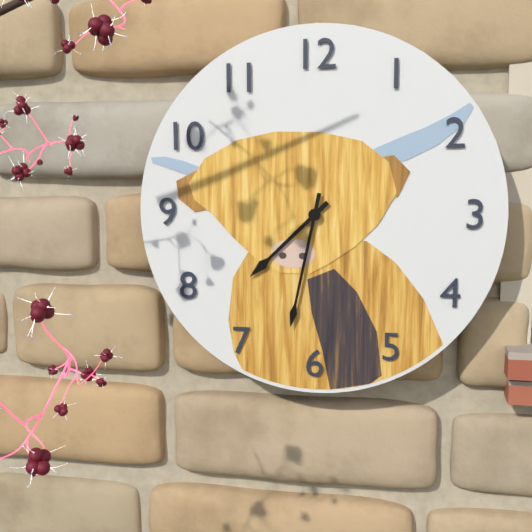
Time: {"hour": 7, "minute": 32}
